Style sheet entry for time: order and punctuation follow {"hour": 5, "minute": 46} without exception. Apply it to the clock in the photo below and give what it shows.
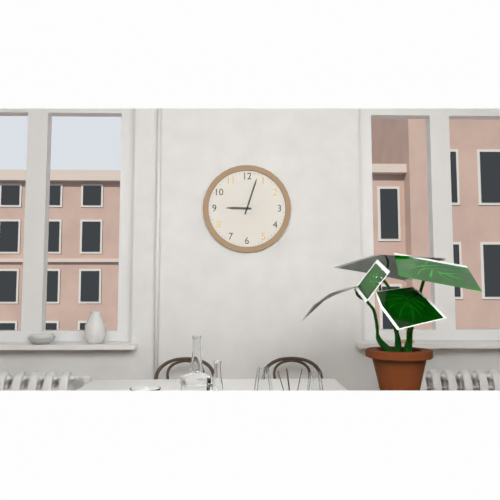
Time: {"hour": 9, "minute": 3}
